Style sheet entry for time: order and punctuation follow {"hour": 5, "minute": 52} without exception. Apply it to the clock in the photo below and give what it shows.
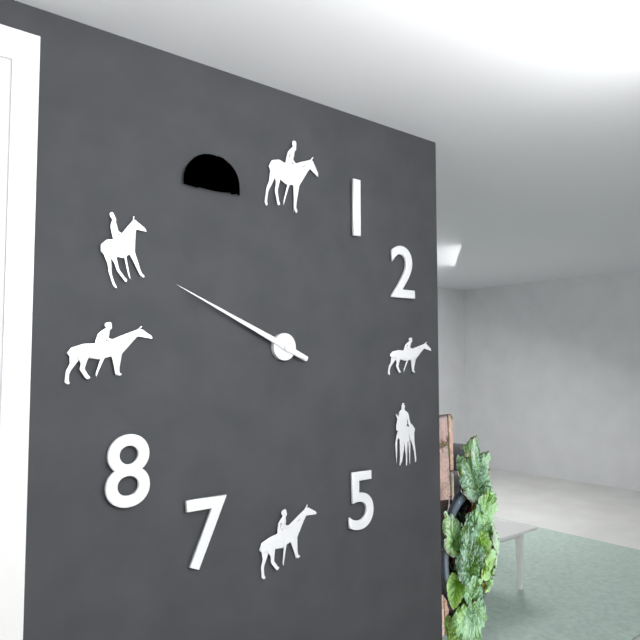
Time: {"hour": 9, "minute": 49}
